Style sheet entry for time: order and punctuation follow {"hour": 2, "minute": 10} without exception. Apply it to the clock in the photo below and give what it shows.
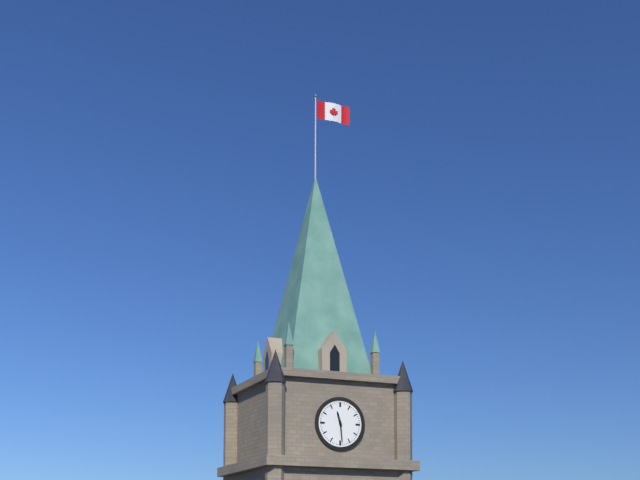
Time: {"hour": 11, "minute": 29}
